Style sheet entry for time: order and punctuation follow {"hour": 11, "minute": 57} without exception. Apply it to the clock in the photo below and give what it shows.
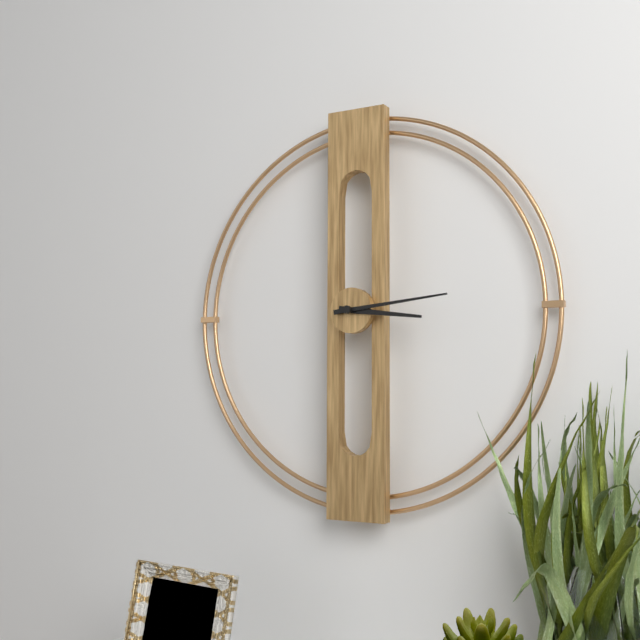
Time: {"hour": 3, "minute": 14}
